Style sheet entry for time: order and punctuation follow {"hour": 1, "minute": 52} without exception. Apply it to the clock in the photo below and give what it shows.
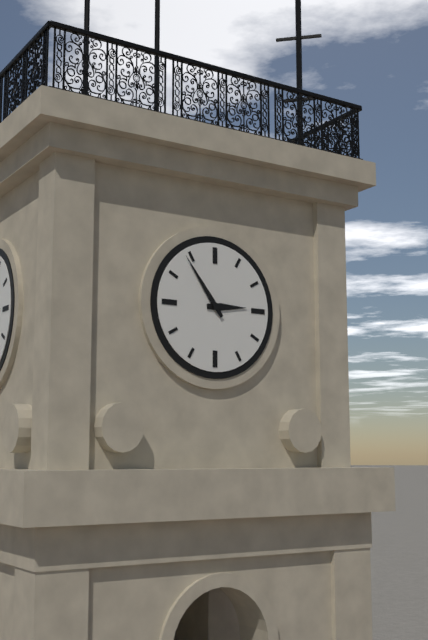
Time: {"hour": 2, "minute": 54}
